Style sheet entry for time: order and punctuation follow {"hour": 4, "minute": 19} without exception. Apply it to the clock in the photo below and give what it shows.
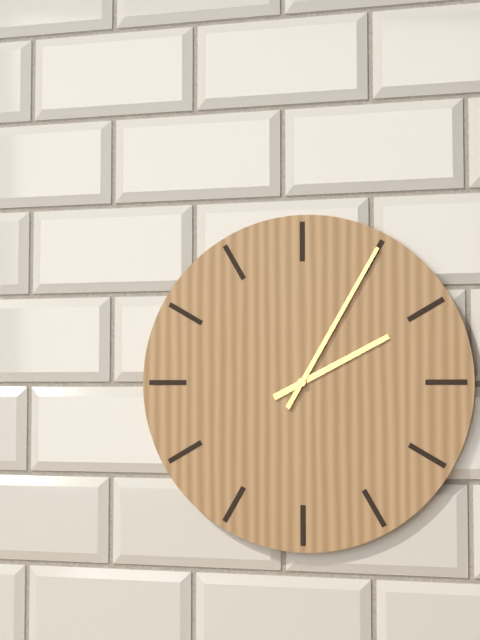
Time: {"hour": 2, "minute": 5}
